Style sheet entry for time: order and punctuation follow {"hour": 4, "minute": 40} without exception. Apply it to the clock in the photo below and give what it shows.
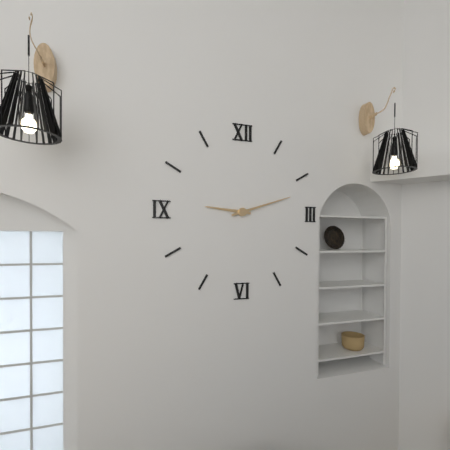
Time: {"hour": 9, "minute": 12}
